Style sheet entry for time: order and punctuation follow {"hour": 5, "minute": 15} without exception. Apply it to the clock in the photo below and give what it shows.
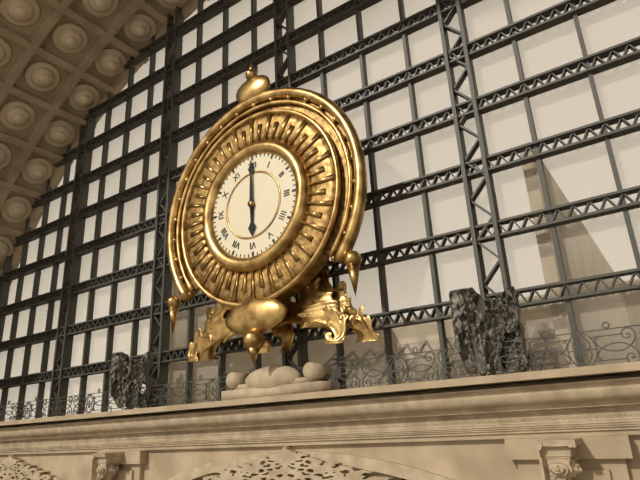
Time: {"hour": 6, "minute": 0}
